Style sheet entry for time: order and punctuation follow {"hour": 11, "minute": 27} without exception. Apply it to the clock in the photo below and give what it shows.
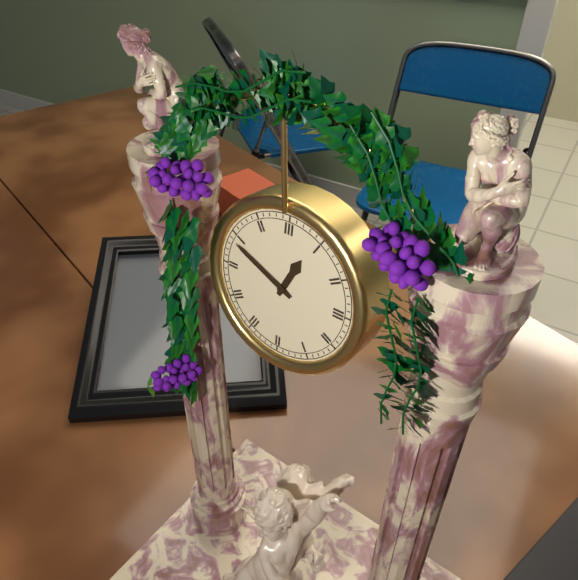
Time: {"hour": 12, "minute": 49}
